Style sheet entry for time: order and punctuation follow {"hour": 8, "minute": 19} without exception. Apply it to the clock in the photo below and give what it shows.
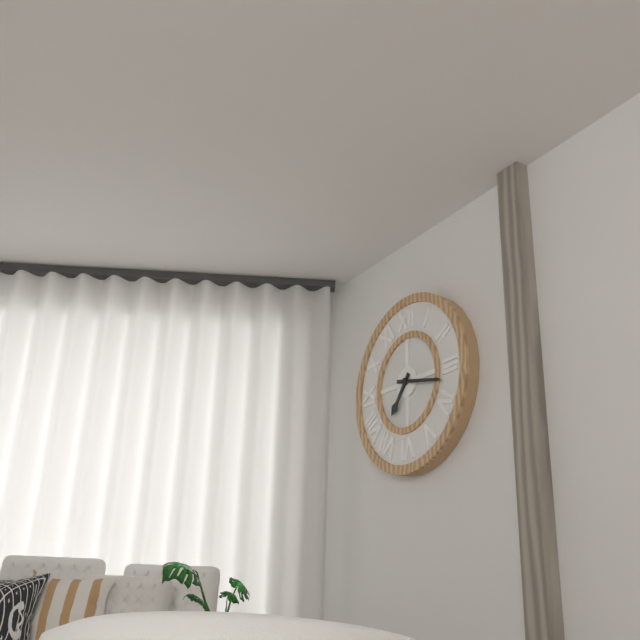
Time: {"hour": 7, "minute": 17}
